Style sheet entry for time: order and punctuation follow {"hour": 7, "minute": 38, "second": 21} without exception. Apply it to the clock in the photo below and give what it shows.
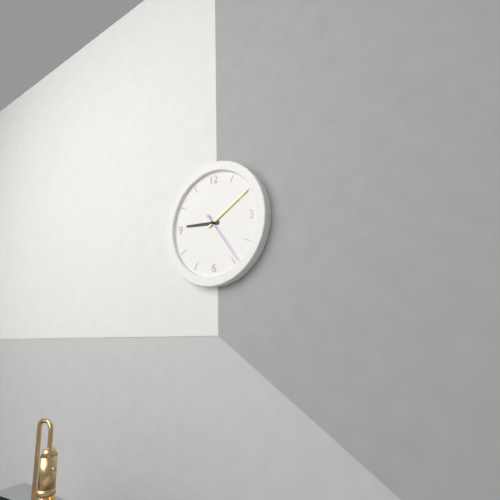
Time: {"hour": 9, "minute": 10, "second": 24}
